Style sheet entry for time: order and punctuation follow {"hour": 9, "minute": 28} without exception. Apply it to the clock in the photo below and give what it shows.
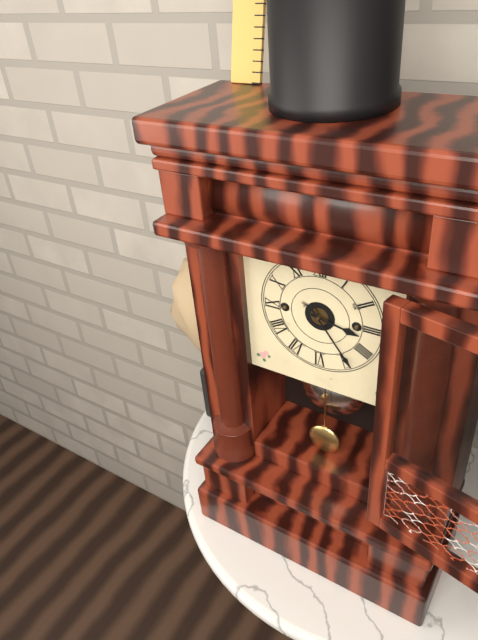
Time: {"hour": 3, "minute": 24}
